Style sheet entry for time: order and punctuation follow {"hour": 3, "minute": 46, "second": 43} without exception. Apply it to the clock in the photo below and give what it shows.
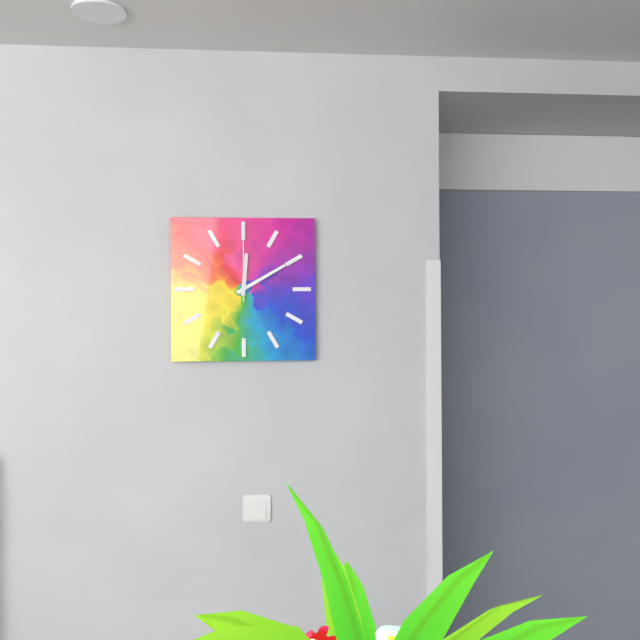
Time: {"hour": 12, "minute": 10, "second": 0}
